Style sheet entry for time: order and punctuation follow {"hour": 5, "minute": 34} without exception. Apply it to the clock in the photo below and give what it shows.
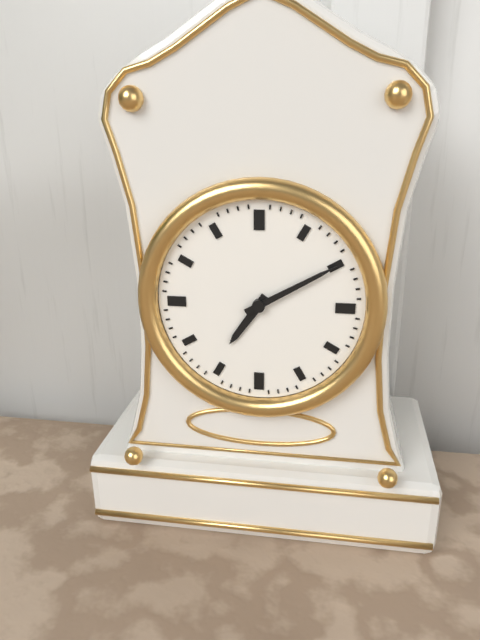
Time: {"hour": 7, "minute": 10}
